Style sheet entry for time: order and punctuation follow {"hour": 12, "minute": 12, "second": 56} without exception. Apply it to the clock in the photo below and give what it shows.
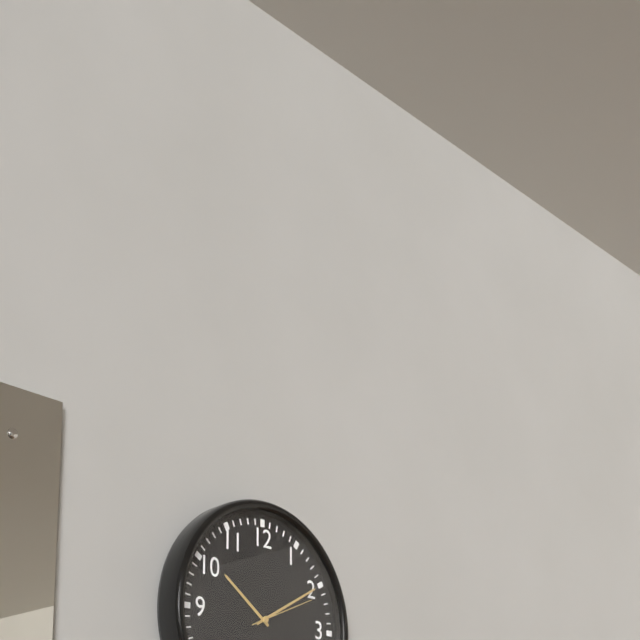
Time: {"hour": 10, "minute": 10, "second": 11}
